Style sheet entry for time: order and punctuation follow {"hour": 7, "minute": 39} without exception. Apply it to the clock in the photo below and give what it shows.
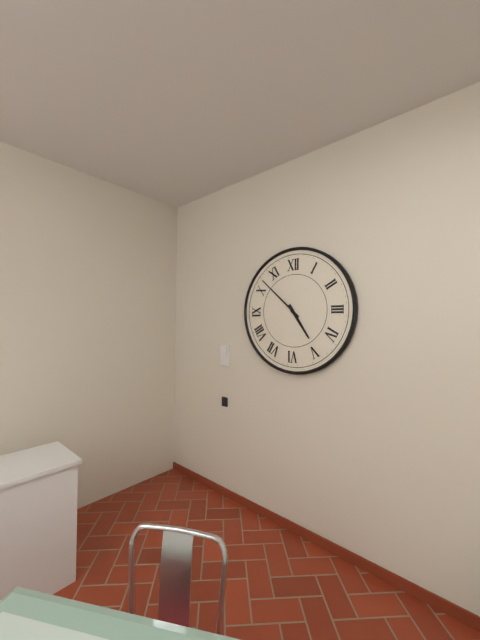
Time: {"hour": 4, "minute": 52}
